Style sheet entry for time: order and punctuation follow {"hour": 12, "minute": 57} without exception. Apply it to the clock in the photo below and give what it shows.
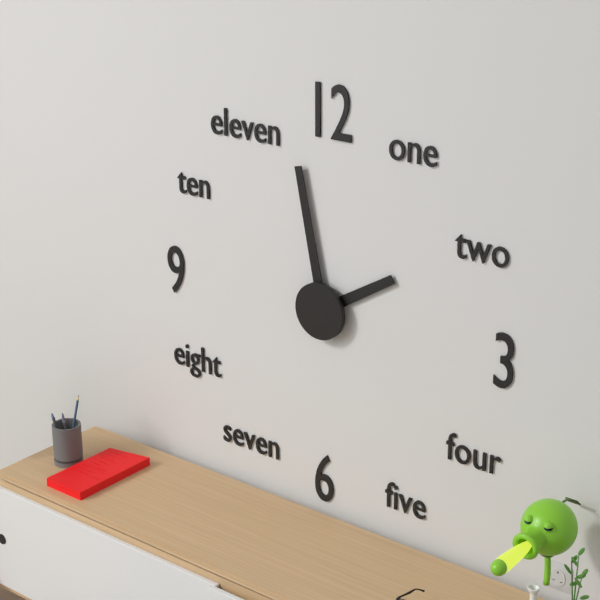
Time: {"hour": 1, "minute": 58}
